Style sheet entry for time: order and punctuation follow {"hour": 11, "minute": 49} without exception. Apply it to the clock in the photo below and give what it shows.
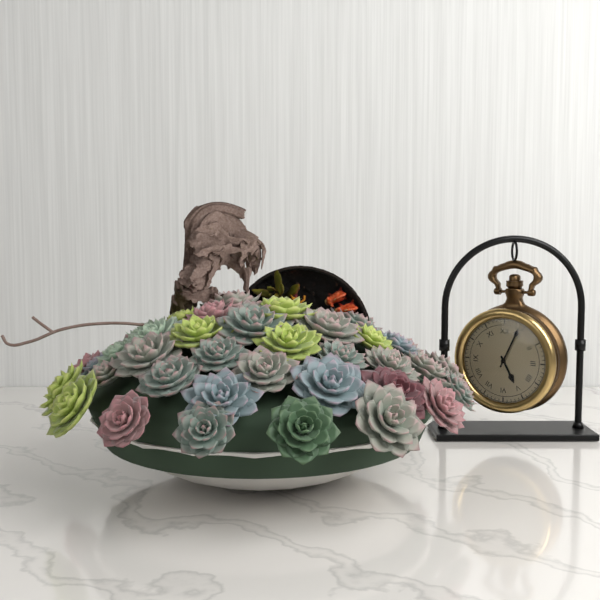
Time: {"hour": 5, "minute": 4}
